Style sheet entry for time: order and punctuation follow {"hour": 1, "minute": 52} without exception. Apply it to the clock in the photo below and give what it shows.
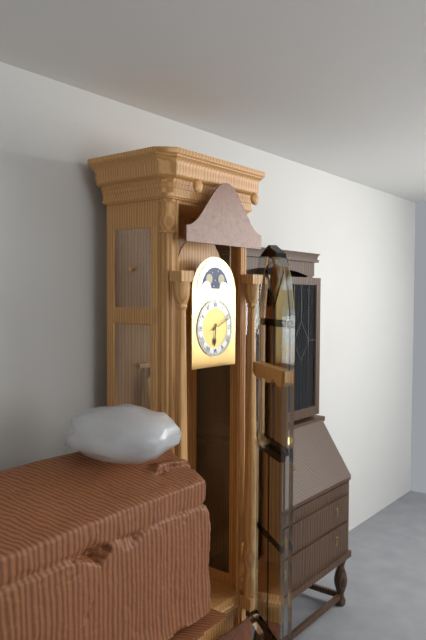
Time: {"hour": 6, "minute": 11}
